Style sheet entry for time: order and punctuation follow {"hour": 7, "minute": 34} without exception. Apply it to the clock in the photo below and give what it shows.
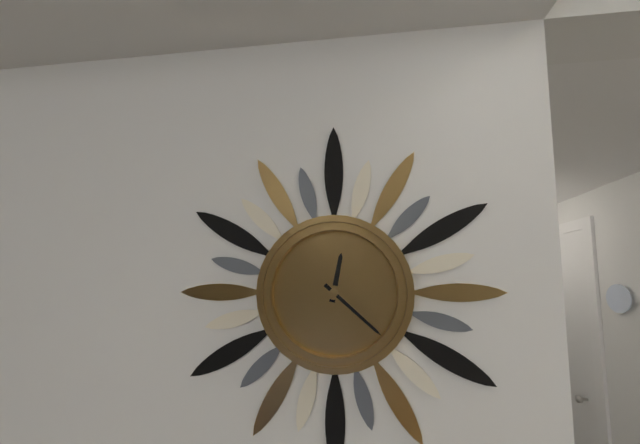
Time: {"hour": 12, "minute": 22}
